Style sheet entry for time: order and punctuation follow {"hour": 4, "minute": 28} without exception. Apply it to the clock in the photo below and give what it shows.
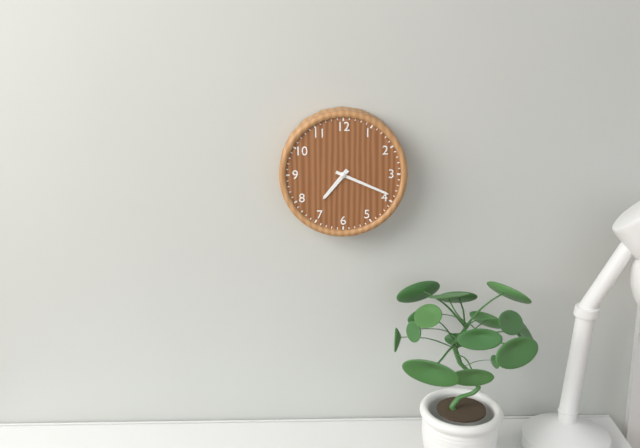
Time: {"hour": 7, "minute": 19}
